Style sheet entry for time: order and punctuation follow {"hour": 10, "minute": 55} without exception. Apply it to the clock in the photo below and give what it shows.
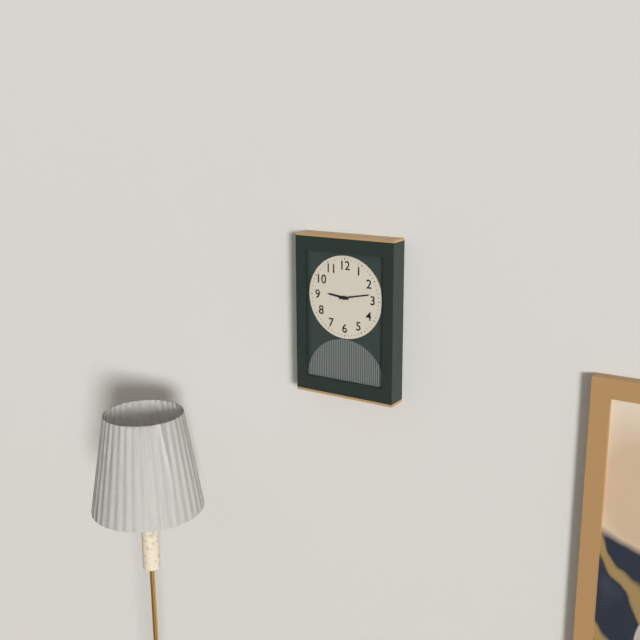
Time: {"hour": 9, "minute": 13}
